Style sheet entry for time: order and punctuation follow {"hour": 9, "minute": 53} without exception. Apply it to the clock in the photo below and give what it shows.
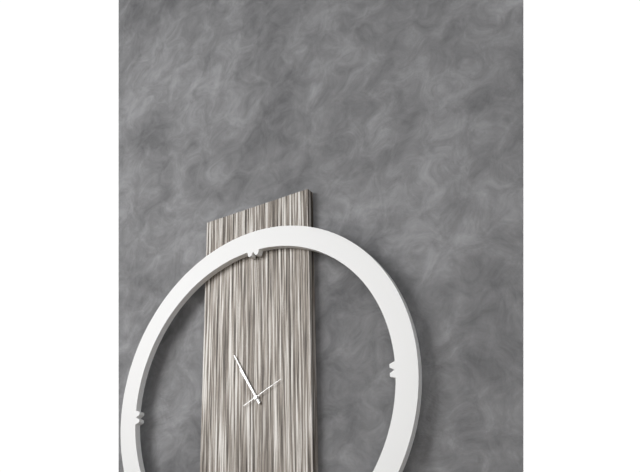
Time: {"hour": 10, "minute": 55}
